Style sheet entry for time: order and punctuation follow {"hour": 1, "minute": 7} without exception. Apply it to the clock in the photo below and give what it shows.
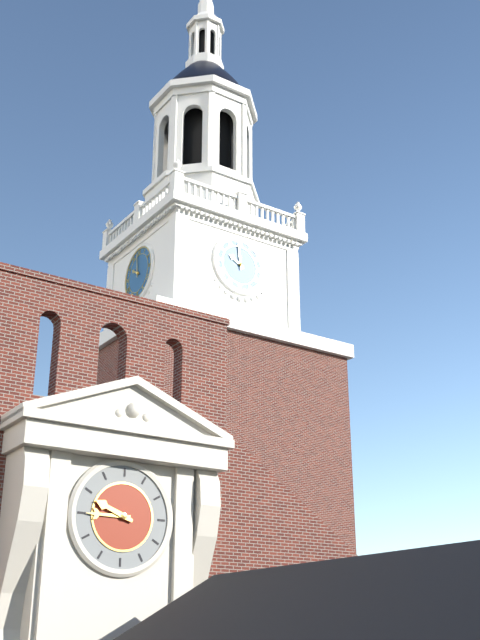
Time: {"hour": 9, "minute": 59}
